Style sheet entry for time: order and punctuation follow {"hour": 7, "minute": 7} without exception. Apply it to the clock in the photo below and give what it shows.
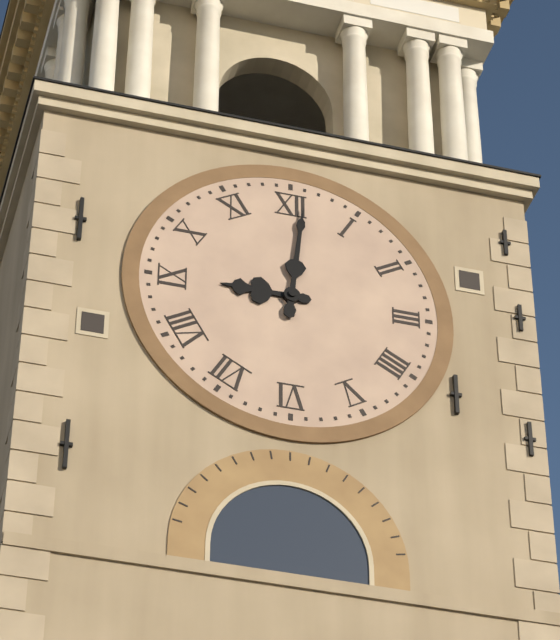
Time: {"hour": 9, "minute": 1}
